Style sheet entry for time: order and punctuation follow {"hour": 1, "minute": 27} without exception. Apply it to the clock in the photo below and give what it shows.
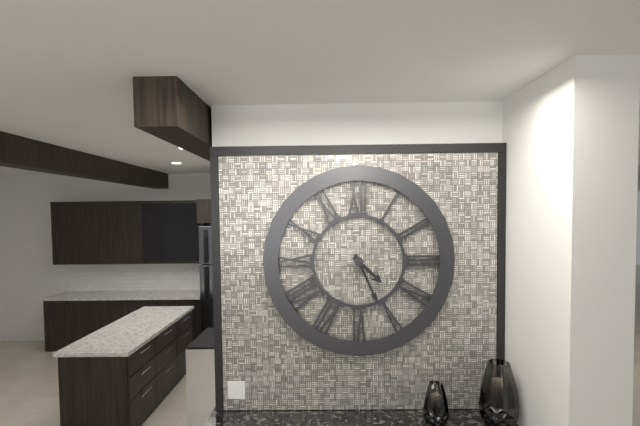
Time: {"hour": 4, "minute": 26}
